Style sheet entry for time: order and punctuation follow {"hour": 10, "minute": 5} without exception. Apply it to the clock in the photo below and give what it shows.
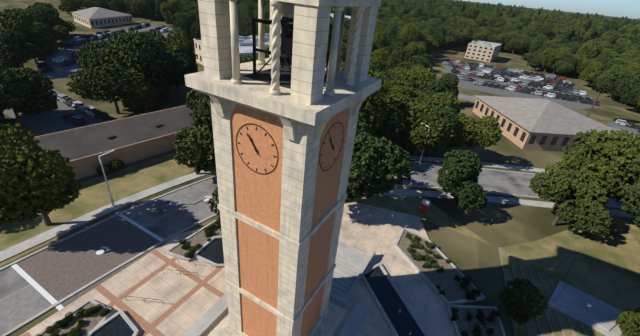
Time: {"hour": 10, "minute": 54}
